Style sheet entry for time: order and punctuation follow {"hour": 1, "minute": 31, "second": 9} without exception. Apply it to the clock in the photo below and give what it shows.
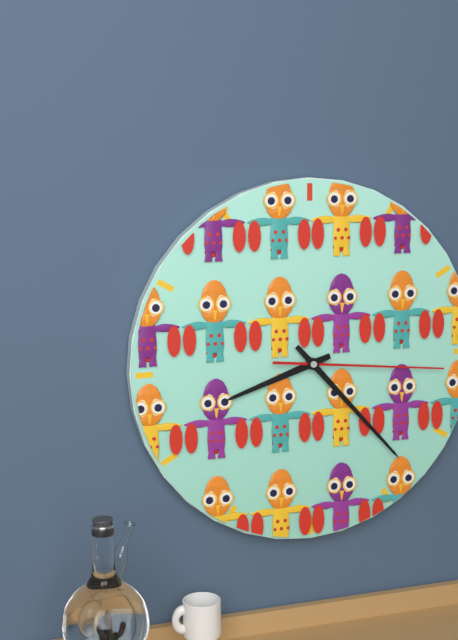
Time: {"hour": 8, "minute": 23, "second": 16}
